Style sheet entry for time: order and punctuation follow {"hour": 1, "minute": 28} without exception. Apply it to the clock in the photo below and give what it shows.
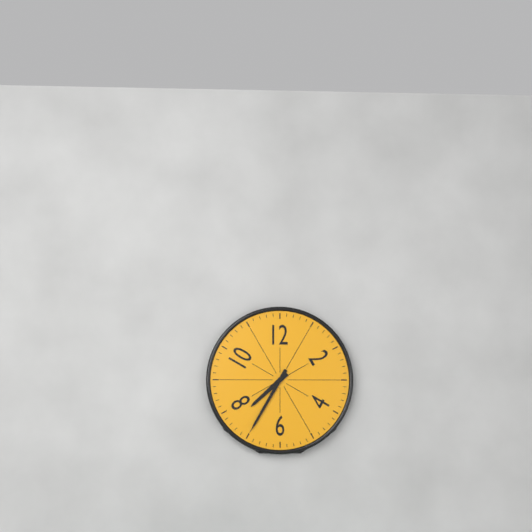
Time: {"hour": 7, "minute": 35}
